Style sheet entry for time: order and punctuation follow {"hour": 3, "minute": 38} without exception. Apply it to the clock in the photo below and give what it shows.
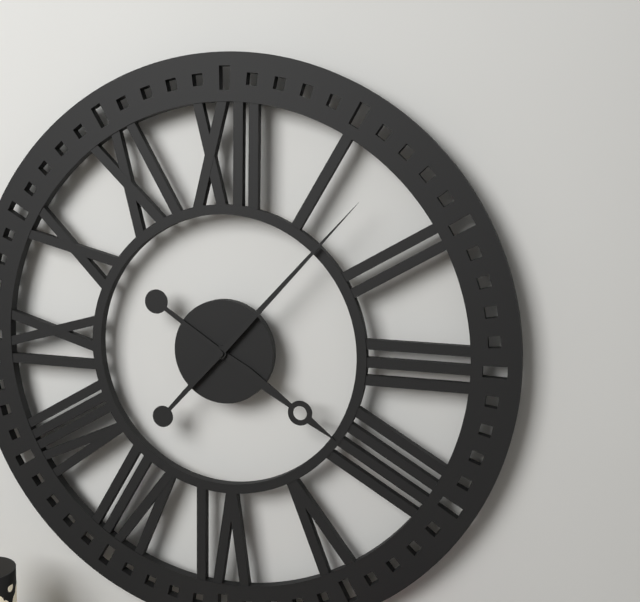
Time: {"hour": 4, "minute": 7}
